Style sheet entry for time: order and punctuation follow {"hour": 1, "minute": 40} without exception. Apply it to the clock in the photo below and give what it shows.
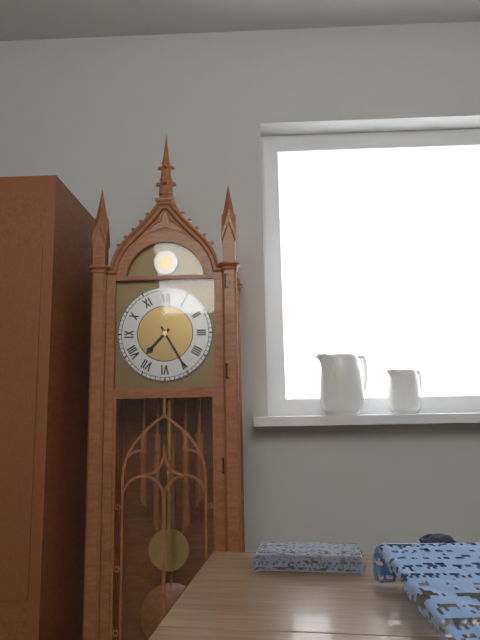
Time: {"hour": 7, "minute": 25}
